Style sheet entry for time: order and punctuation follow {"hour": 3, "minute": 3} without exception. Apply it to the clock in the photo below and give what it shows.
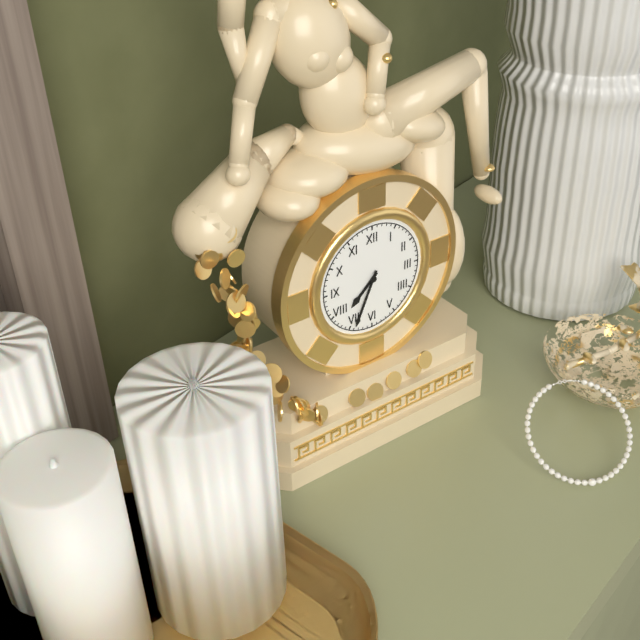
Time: {"hour": 7, "minute": 34}
